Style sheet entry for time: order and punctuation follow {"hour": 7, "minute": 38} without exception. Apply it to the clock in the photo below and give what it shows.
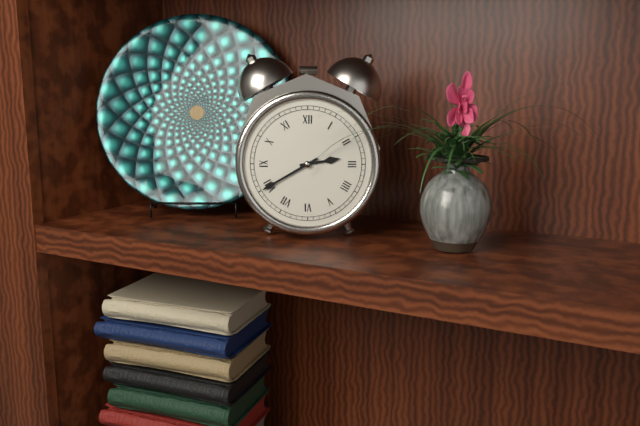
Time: {"hour": 2, "minute": 40}
